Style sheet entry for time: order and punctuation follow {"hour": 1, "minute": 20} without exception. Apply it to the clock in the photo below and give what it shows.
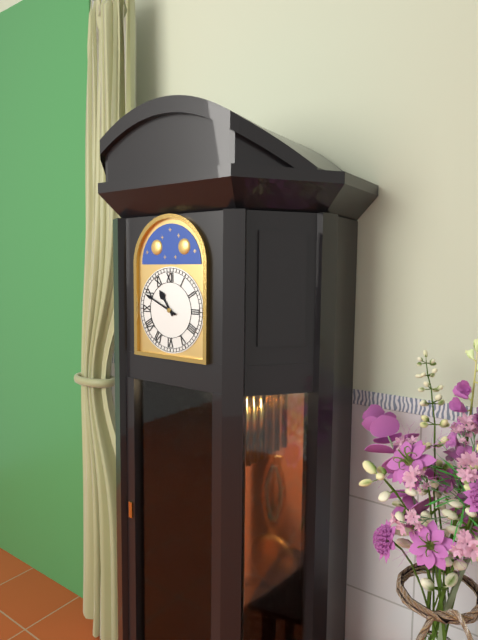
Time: {"hour": 10, "minute": 49}
